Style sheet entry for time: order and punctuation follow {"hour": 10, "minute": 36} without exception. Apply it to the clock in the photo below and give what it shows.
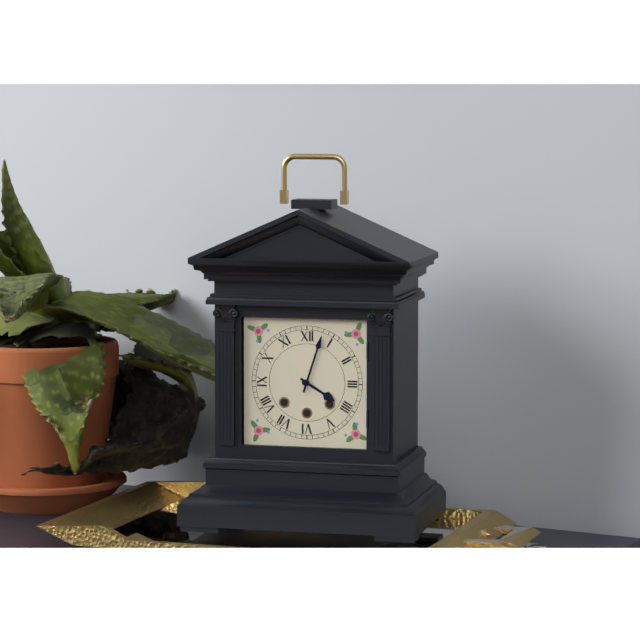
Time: {"hour": 4, "minute": 3}
